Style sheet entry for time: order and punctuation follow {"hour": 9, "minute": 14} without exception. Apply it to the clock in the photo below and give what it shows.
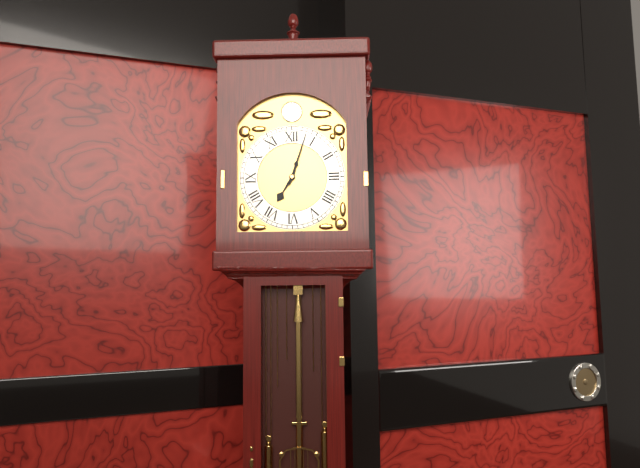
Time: {"hour": 7, "minute": 3}
